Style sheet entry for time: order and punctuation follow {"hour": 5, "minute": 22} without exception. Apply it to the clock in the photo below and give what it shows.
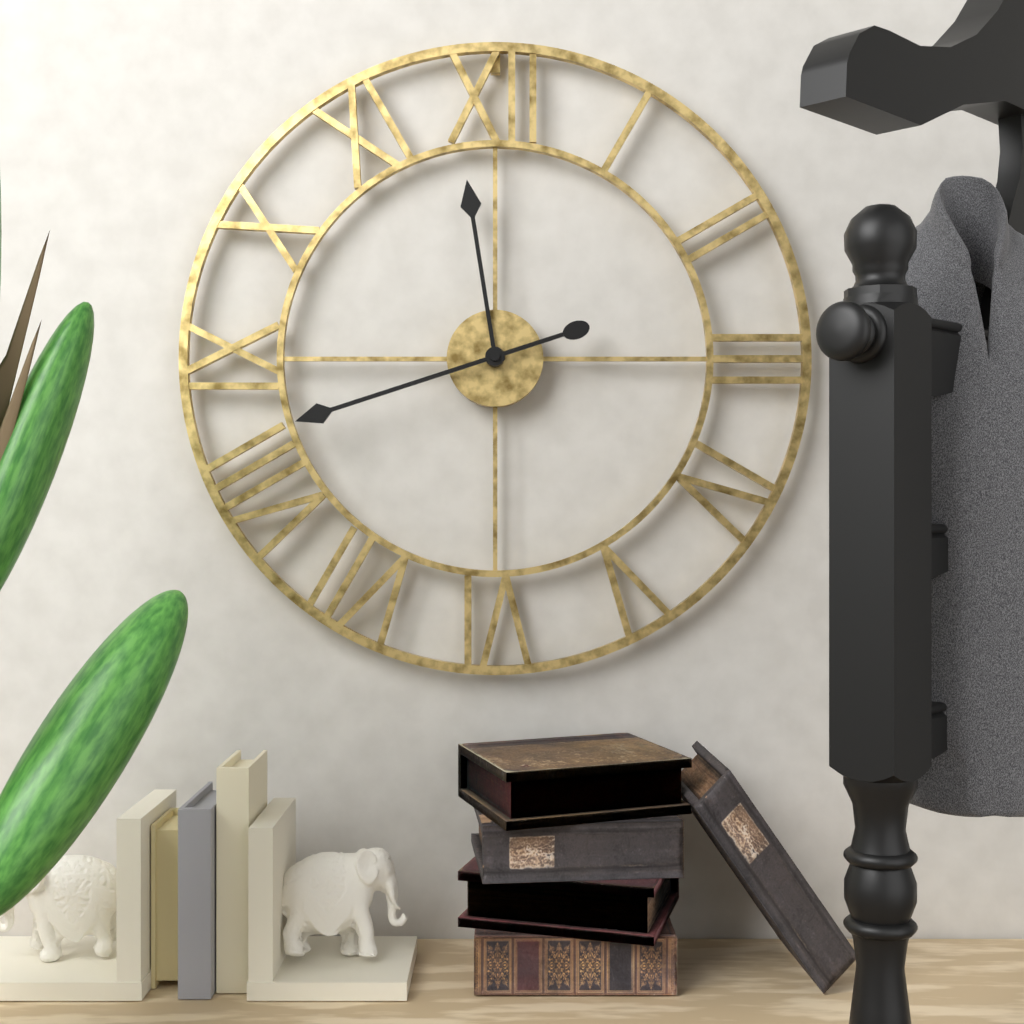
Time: {"hour": 11, "minute": 42}
